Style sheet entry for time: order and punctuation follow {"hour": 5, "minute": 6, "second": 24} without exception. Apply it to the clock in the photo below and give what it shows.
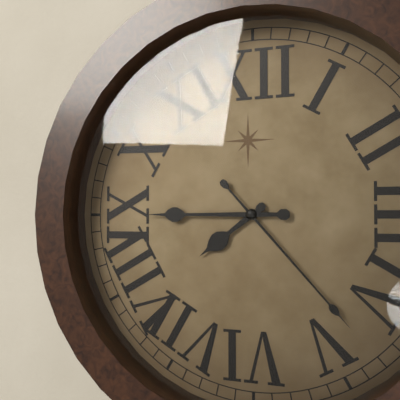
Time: {"hour": 7, "minute": 45, "second": 23}
